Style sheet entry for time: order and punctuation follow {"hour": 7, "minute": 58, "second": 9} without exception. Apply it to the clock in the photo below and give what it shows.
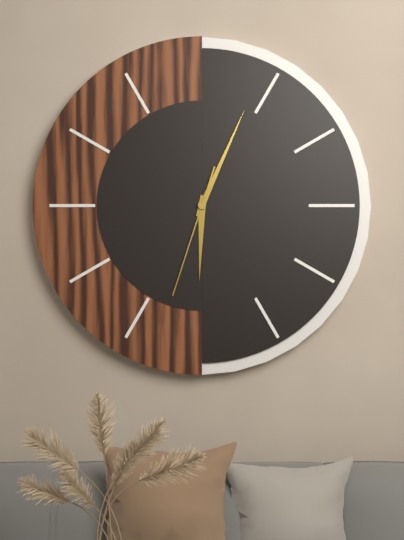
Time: {"hour": 6, "minute": 4, "second": 33}
